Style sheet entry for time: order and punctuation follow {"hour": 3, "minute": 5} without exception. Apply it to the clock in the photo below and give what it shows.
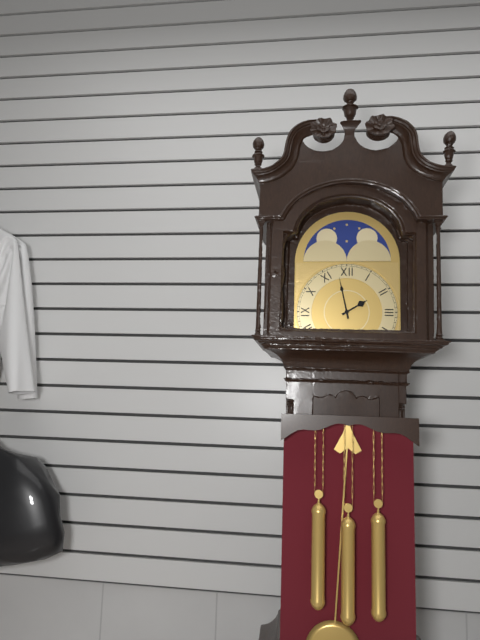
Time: {"hour": 1, "minute": 58}
